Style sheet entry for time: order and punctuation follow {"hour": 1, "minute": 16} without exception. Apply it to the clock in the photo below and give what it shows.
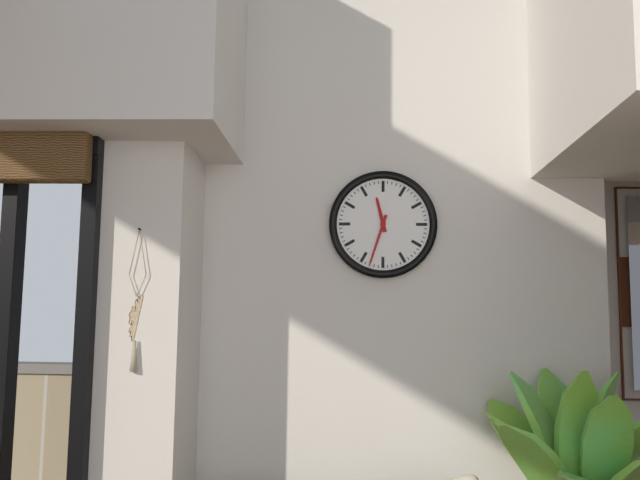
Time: {"hour": 11, "minute": 33}
